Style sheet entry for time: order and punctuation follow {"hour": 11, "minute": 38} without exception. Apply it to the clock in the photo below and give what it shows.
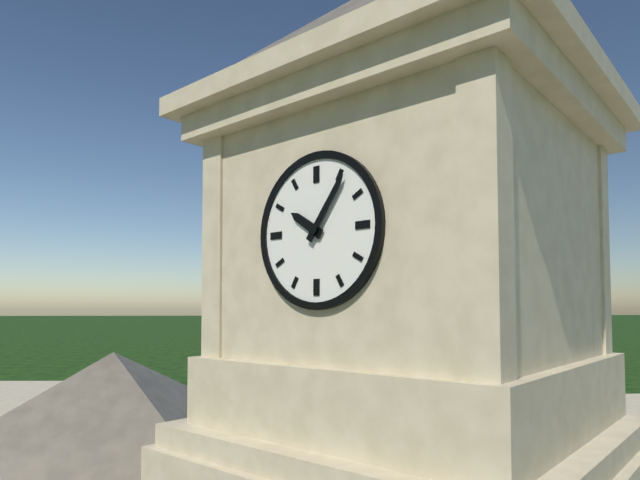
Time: {"hour": 10, "minute": 6}
